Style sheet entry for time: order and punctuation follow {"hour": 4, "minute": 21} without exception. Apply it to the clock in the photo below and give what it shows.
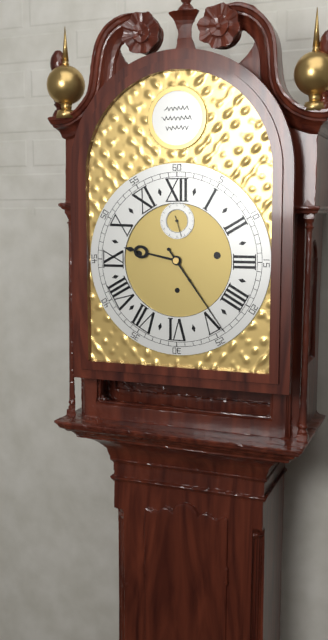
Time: {"hour": 9, "minute": 24}
